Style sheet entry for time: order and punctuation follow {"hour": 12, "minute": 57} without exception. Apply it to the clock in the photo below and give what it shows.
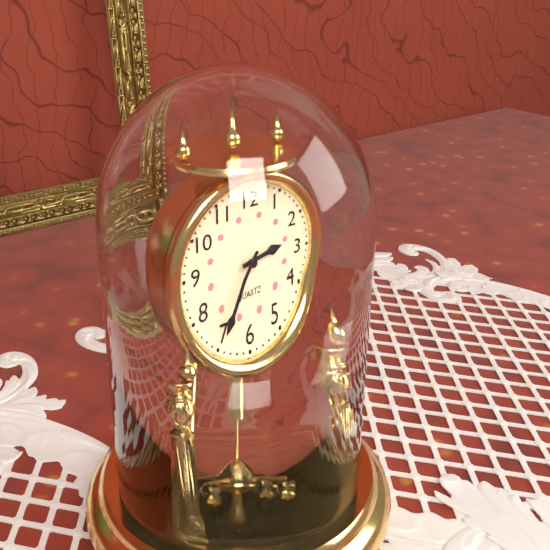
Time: {"hour": 2, "minute": 35}
